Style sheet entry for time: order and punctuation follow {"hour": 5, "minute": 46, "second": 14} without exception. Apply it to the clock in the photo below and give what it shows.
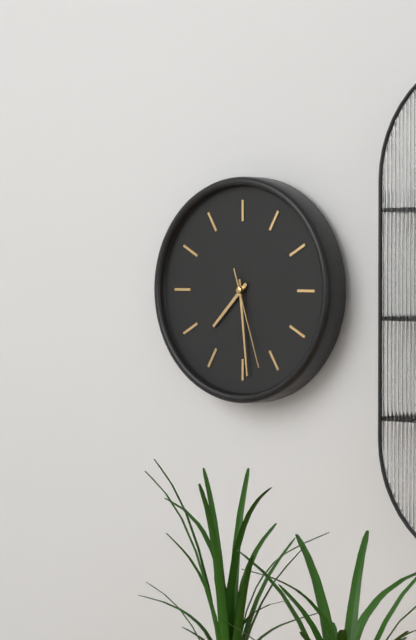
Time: {"hour": 7, "minute": 29, "second": 27}
